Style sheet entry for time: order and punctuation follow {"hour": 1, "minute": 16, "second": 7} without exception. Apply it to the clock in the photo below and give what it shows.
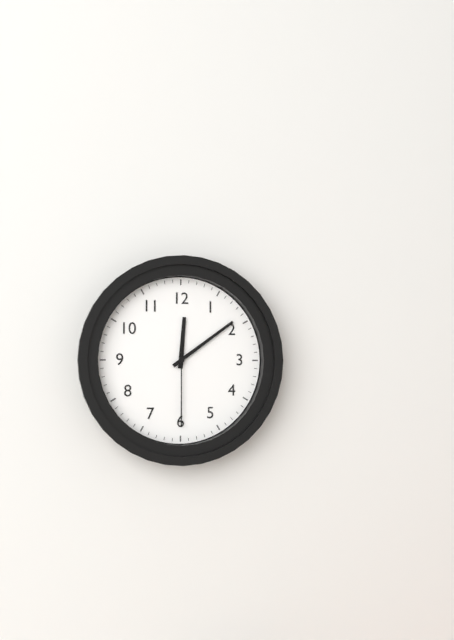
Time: {"hour": 12, "minute": 9, "second": 30}
